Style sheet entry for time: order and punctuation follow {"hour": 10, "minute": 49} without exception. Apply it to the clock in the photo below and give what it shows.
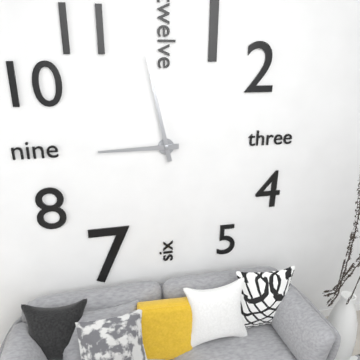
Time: {"hour": 8, "minute": 58}
